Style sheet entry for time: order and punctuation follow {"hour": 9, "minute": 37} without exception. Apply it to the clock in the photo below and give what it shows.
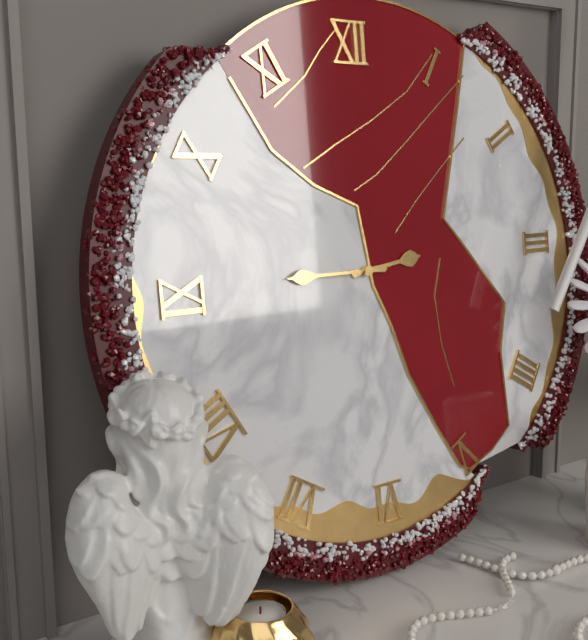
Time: {"hour": 2, "minute": 45}
